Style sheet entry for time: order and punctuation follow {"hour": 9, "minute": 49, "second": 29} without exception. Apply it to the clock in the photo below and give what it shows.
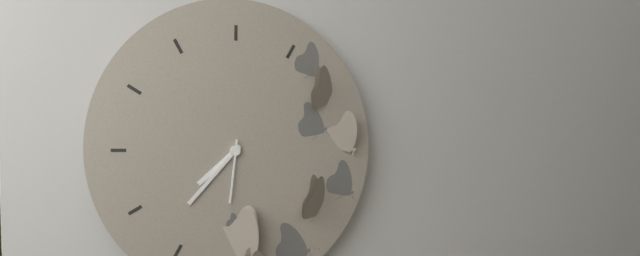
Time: {"hour": 7, "minute": 37, "second": 31}
